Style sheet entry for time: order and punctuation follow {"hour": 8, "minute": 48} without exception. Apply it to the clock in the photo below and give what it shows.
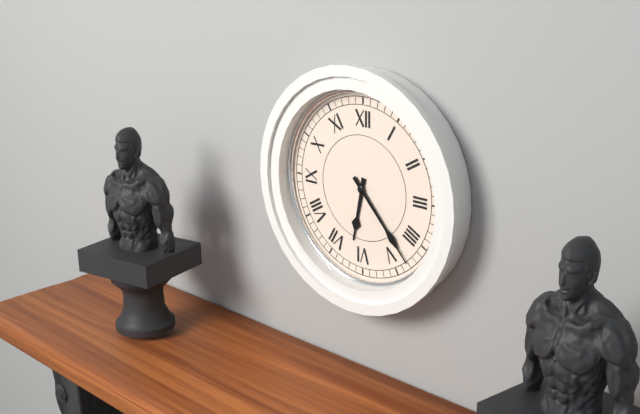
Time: {"hour": 6, "minute": 23}
